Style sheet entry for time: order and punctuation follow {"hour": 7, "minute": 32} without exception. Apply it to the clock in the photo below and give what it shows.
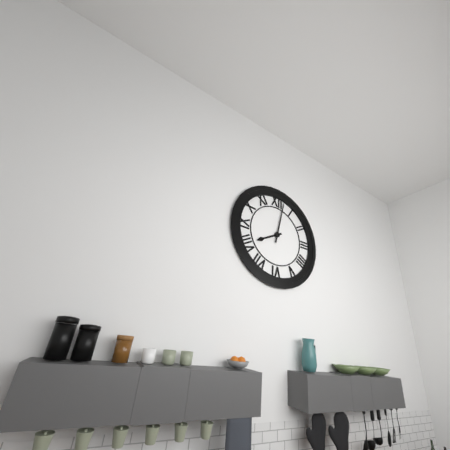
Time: {"hour": 8, "minute": 2}
